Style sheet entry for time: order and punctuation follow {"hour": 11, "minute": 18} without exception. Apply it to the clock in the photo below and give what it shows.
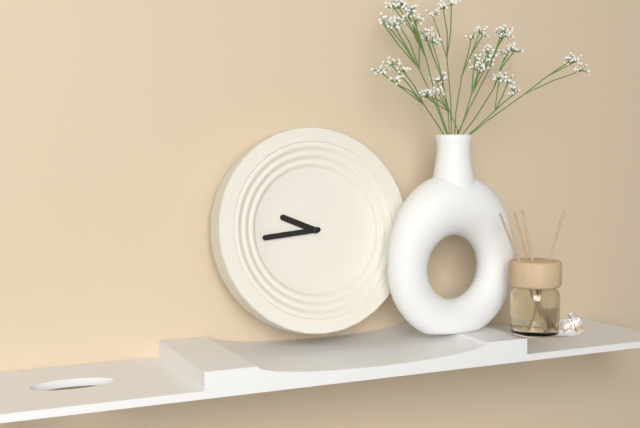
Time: {"hour": 9, "minute": 44}
